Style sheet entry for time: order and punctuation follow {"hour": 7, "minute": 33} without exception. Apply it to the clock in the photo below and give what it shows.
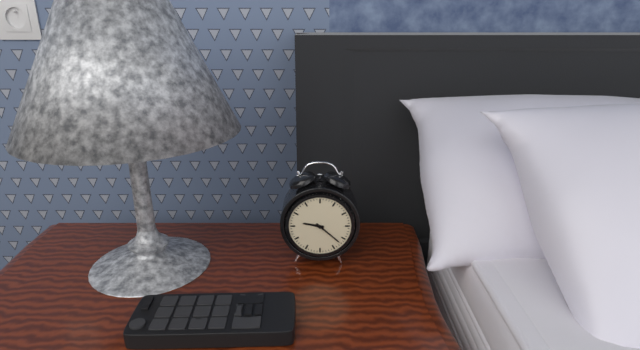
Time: {"hour": 9, "minute": 22}
